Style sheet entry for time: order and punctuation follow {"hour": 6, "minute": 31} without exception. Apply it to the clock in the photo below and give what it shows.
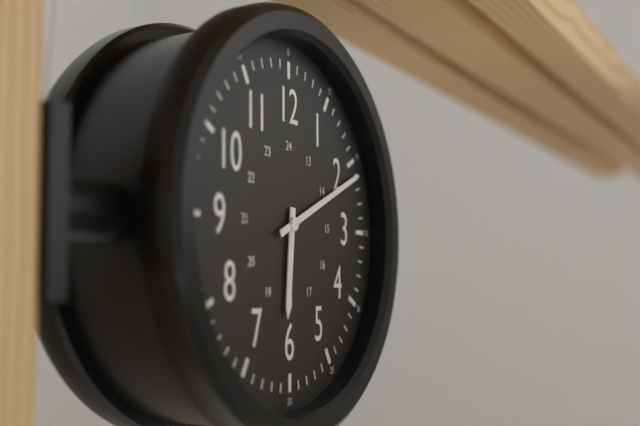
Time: {"hour": 6, "minute": 11}
